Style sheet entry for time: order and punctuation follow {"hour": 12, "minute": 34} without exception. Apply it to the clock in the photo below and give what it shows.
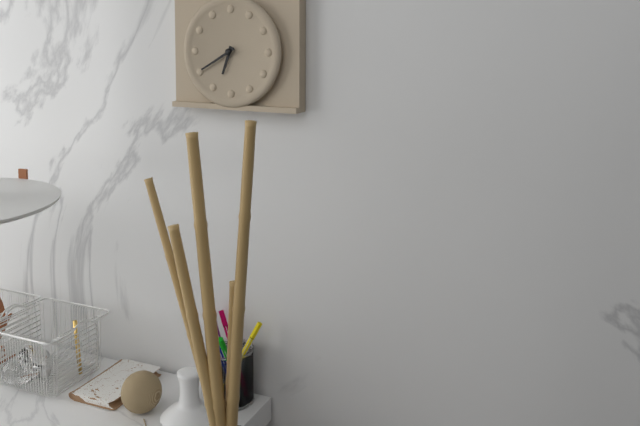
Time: {"hour": 6, "minute": 40}
